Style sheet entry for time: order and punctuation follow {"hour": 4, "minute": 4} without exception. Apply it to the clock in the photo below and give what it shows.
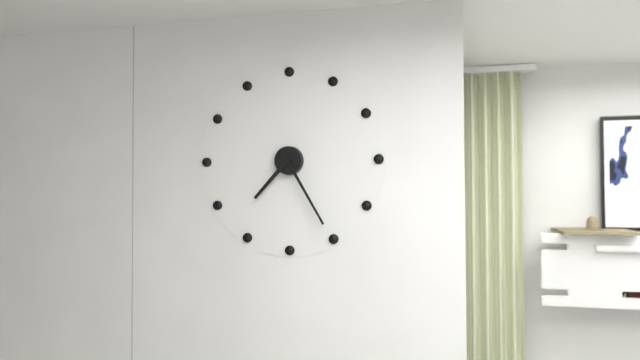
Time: {"hour": 7, "minute": 25}
